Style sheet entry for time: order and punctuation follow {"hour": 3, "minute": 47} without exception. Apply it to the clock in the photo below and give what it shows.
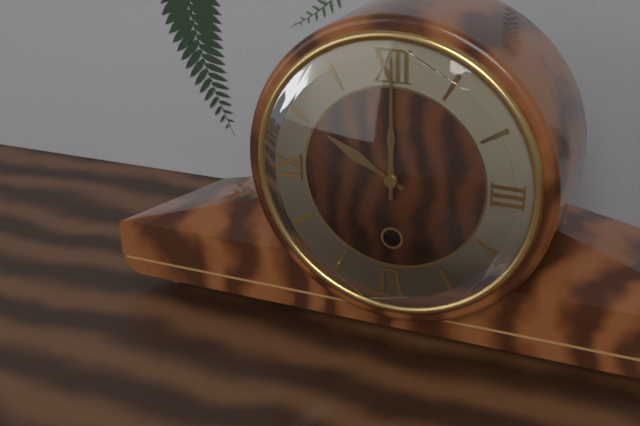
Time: {"hour": 10, "minute": 0}
